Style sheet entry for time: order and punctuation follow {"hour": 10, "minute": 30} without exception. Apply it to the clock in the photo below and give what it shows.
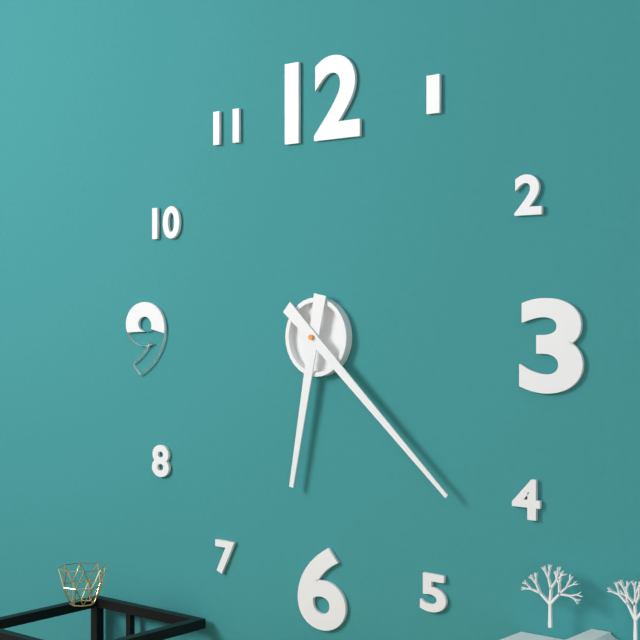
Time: {"hour": 6, "minute": 22}
